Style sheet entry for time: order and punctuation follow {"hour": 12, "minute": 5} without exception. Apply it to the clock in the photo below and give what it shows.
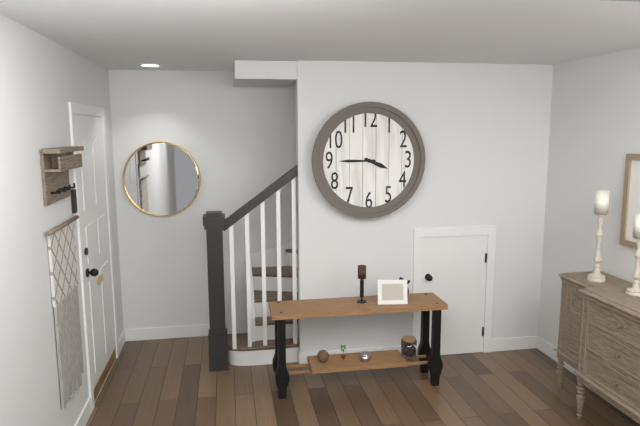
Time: {"hour": 3, "minute": 45}
